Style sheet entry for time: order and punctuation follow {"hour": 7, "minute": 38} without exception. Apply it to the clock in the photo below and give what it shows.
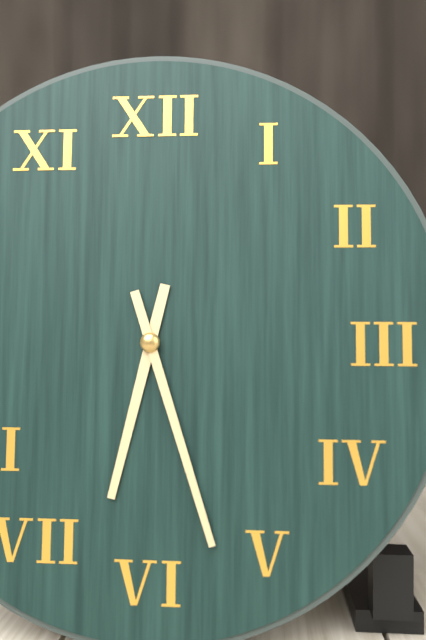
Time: {"hour": 6, "minute": 27}
